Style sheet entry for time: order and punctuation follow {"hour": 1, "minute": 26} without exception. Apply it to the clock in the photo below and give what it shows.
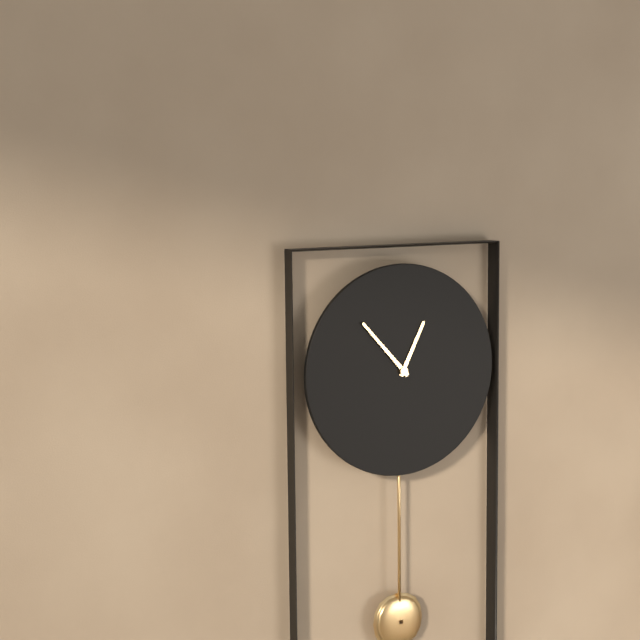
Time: {"hour": 12, "minute": 53}
